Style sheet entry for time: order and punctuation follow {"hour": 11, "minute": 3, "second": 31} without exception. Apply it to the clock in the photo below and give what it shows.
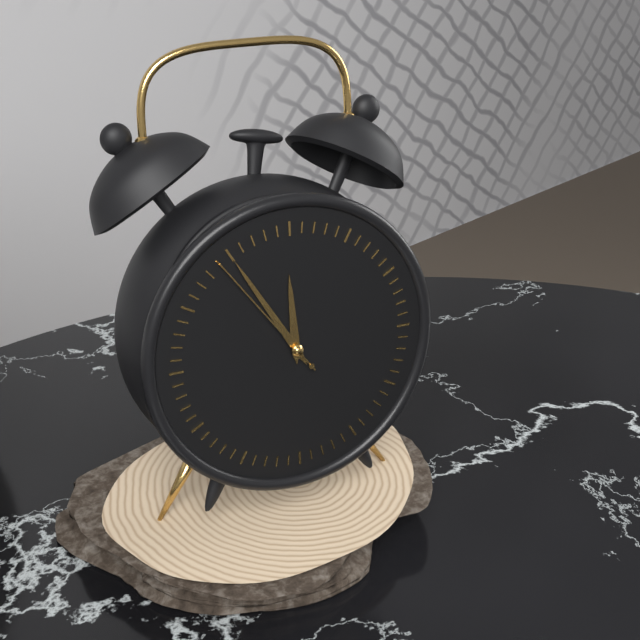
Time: {"hour": 11, "minute": 55, "second": 54}
